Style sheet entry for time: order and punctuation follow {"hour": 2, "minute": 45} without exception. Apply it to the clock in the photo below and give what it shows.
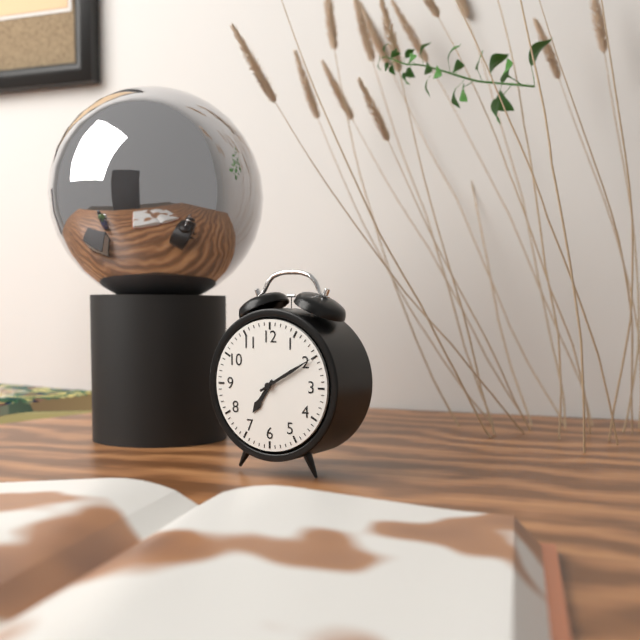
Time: {"hour": 7, "minute": 10}
